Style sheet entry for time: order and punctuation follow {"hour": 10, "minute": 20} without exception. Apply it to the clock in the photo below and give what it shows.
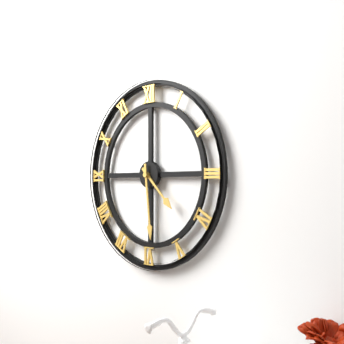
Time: {"hour": 4, "minute": 29}
